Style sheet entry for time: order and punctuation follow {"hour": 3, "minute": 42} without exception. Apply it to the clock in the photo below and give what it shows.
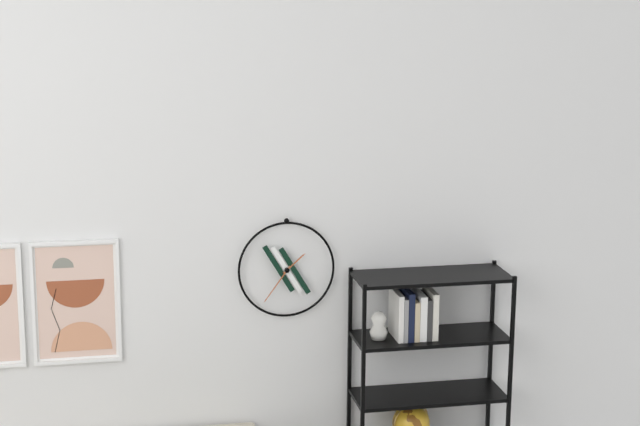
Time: {"hour": 1, "minute": 36}
